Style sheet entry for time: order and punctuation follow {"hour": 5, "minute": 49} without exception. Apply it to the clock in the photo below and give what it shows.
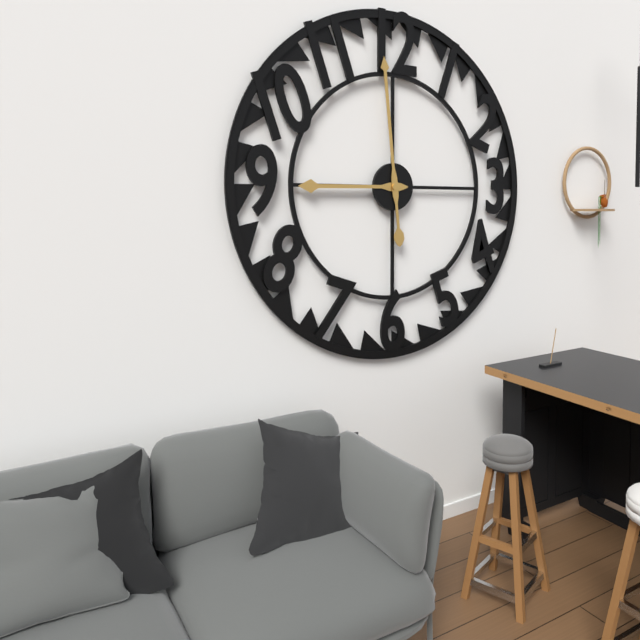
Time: {"hour": 8, "minute": 59}
